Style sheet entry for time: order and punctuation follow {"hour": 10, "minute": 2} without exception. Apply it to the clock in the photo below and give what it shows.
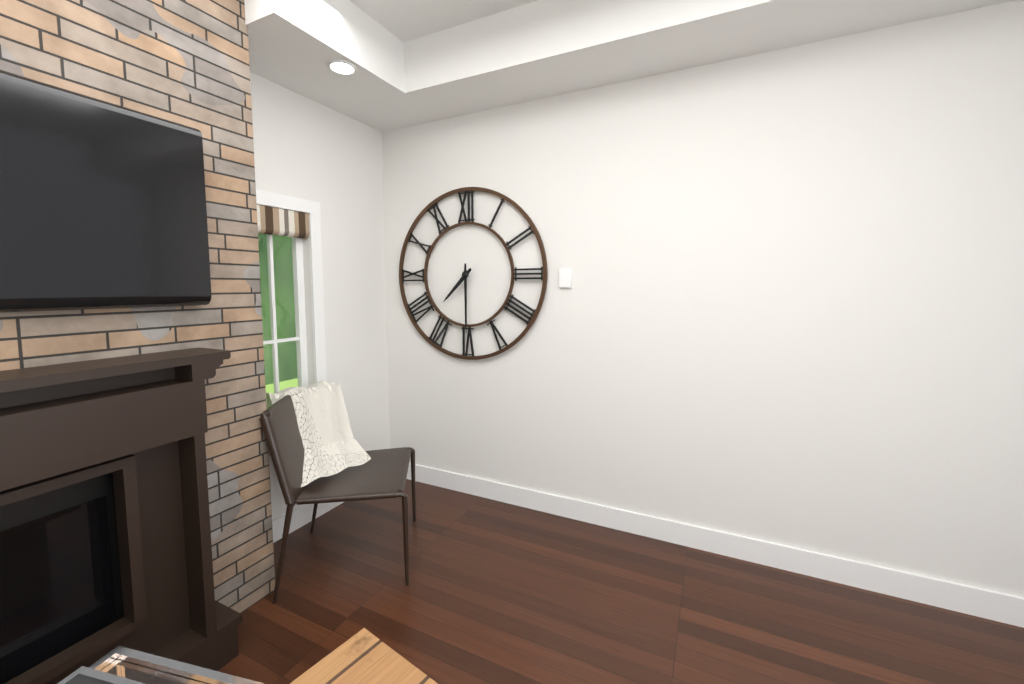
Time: {"hour": 7, "minute": 30}
